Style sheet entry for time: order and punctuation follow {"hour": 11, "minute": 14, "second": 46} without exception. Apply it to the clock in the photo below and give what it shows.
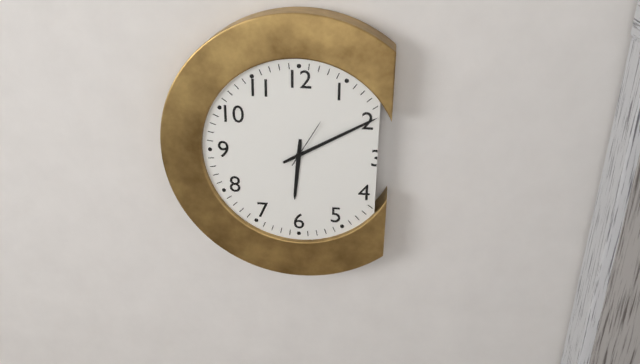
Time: {"hour": 6, "minute": 10, "second": 5}
